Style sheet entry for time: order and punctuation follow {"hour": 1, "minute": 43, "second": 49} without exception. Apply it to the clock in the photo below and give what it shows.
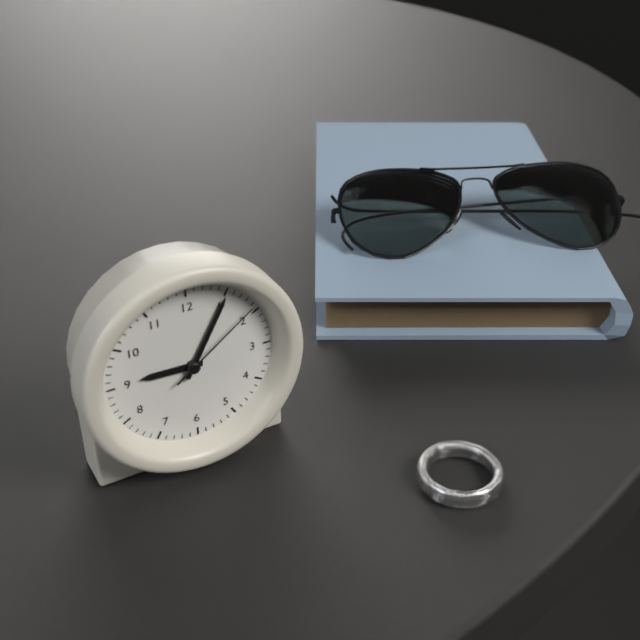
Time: {"hour": 9, "minute": 5, "second": 9}
